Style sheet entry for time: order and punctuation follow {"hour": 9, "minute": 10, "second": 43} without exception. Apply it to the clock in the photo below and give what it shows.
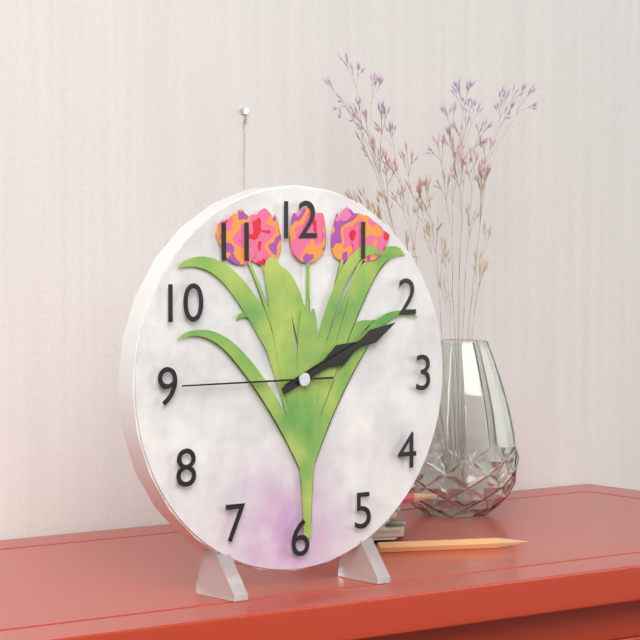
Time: {"hour": 2, "minute": 11, "second": 45}
